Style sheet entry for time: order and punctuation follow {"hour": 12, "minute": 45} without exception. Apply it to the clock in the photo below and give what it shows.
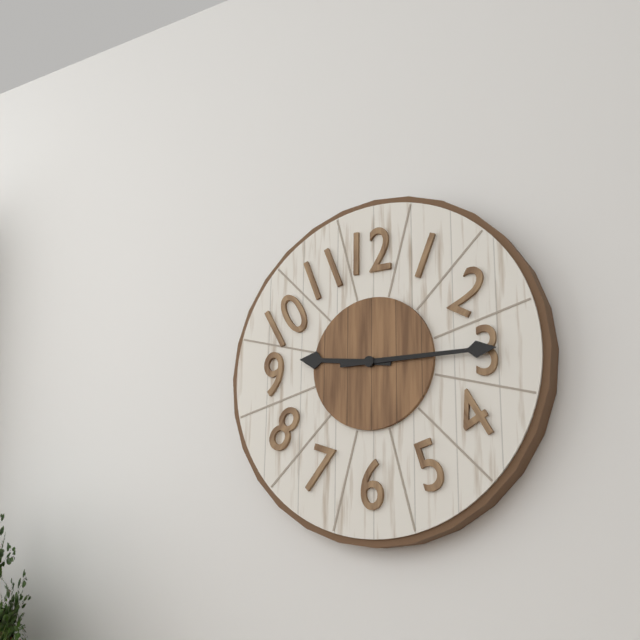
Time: {"hour": 9, "minute": 15}
